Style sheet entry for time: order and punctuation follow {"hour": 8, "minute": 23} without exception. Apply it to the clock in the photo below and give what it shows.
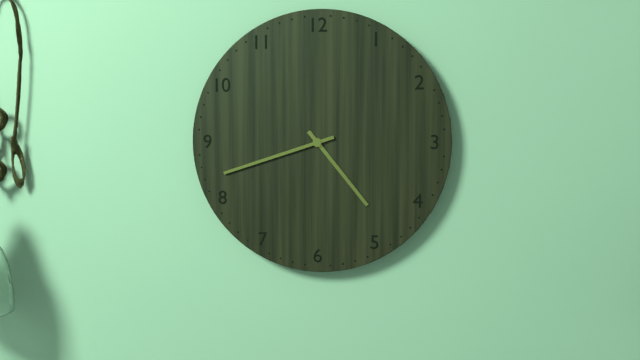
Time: {"hour": 4, "minute": 42}
